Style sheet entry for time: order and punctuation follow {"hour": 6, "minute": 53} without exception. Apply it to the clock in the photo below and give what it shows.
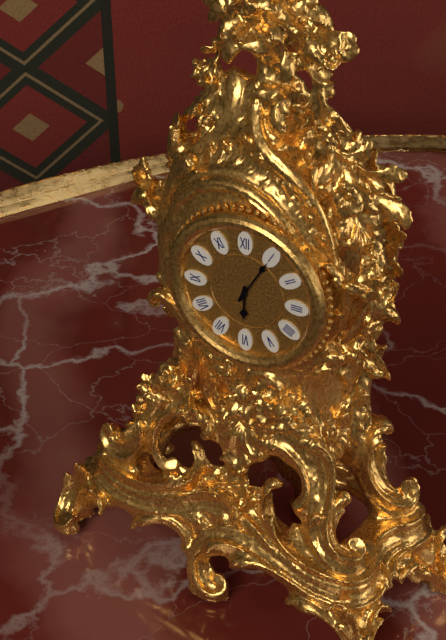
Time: {"hour": 6, "minute": 5}
